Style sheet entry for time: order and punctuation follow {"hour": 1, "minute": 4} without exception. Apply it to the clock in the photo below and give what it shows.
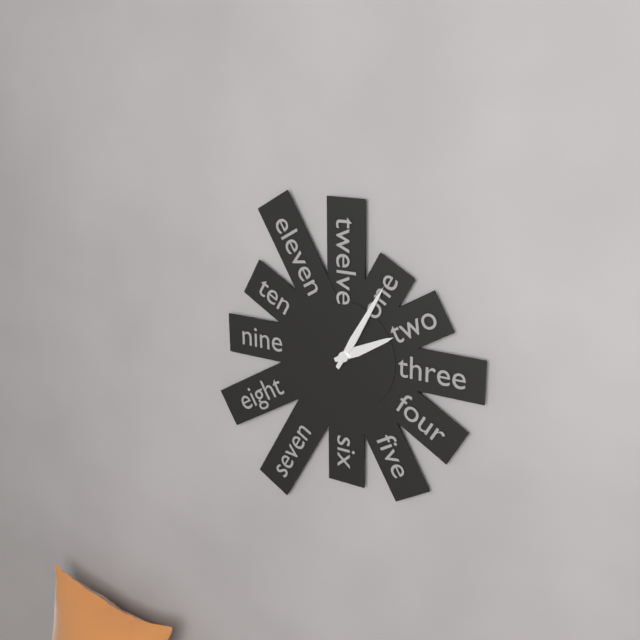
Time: {"hour": 2, "minute": 5}
